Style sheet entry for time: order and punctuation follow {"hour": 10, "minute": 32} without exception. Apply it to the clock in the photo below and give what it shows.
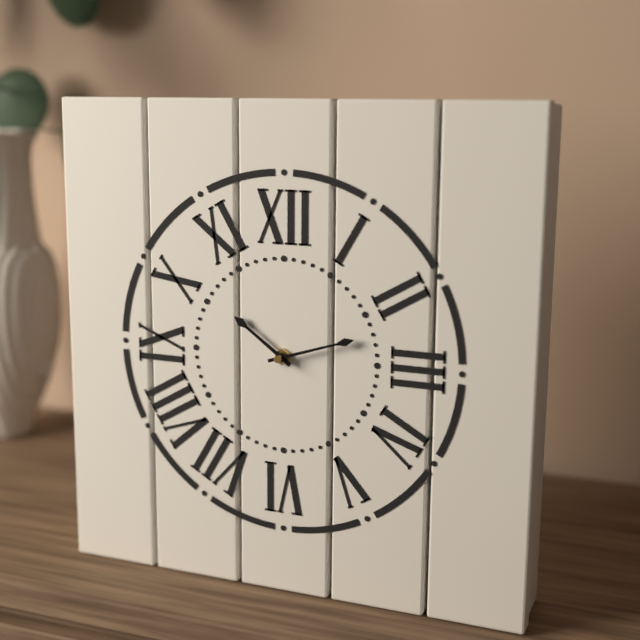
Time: {"hour": 10, "minute": 12}
